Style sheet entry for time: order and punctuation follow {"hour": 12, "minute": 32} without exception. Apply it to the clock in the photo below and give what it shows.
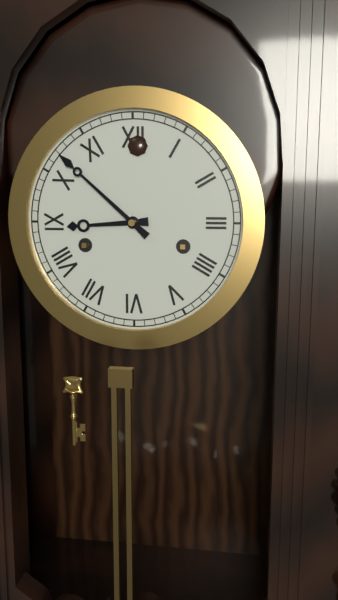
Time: {"hour": 8, "minute": 52}
